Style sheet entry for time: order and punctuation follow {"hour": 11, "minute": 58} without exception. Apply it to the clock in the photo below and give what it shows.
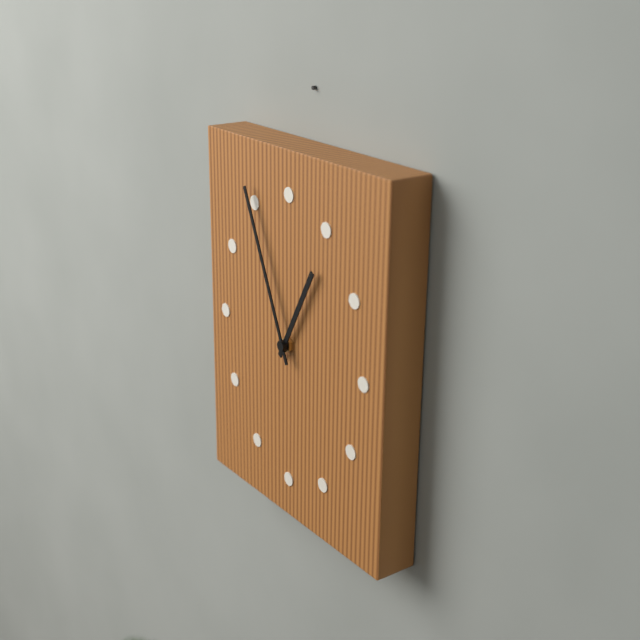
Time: {"hour": 12, "minute": 56}
